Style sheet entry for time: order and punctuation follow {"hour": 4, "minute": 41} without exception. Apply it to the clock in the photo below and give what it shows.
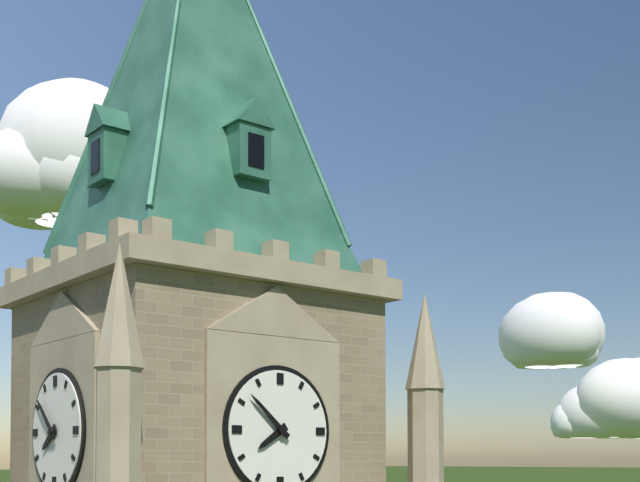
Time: {"hour": 7, "minute": 52}
